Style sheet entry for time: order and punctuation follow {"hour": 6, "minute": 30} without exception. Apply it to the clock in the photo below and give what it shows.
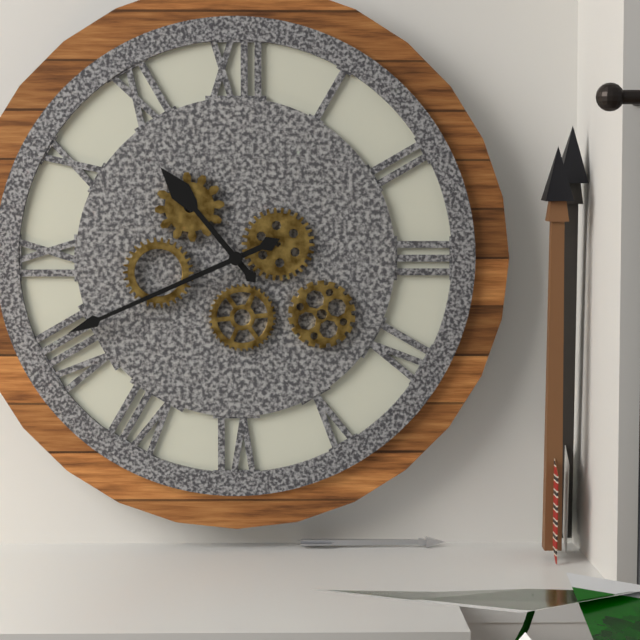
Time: {"hour": 10, "minute": 41}
